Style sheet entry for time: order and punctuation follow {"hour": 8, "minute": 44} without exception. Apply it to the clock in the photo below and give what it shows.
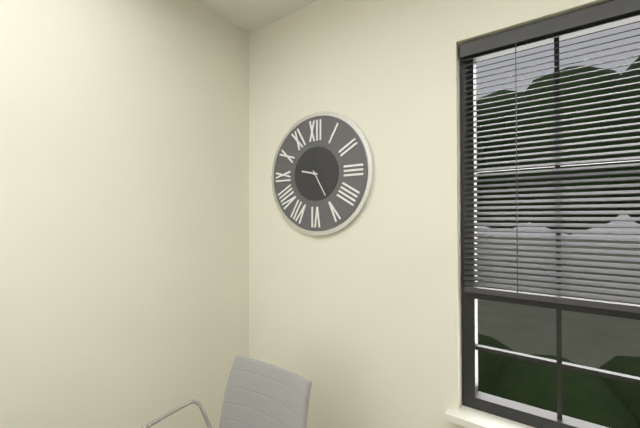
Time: {"hour": 9, "minute": 25}
